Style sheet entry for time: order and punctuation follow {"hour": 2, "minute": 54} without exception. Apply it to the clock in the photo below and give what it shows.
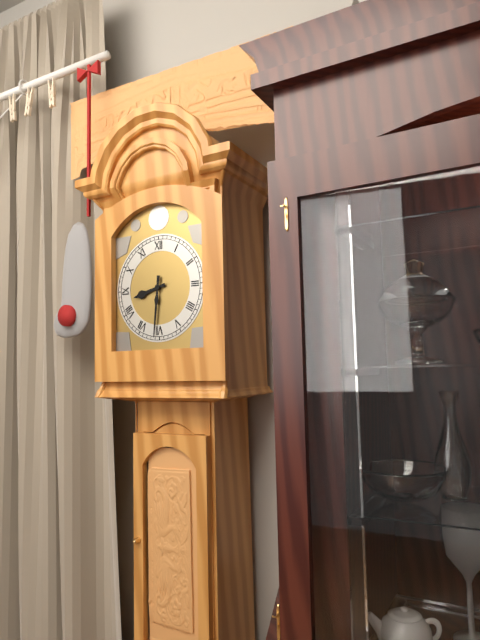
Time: {"hour": 8, "minute": 31}
